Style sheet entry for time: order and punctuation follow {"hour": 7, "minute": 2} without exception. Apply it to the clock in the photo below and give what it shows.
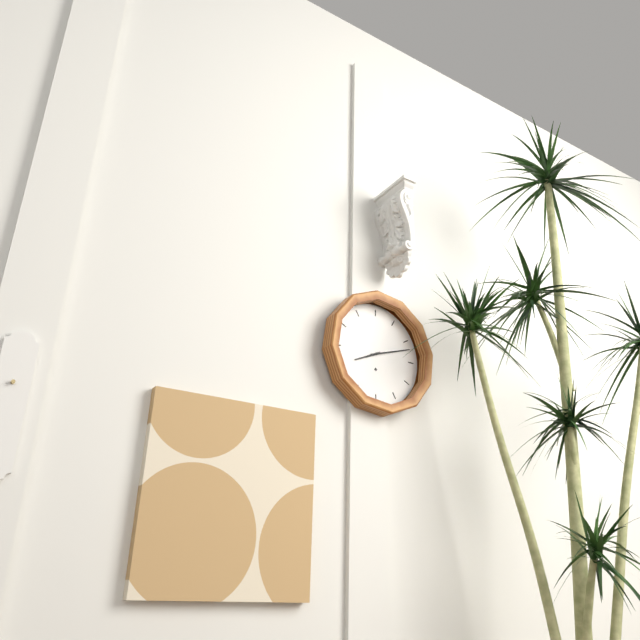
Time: {"hour": 8, "minute": 12}
